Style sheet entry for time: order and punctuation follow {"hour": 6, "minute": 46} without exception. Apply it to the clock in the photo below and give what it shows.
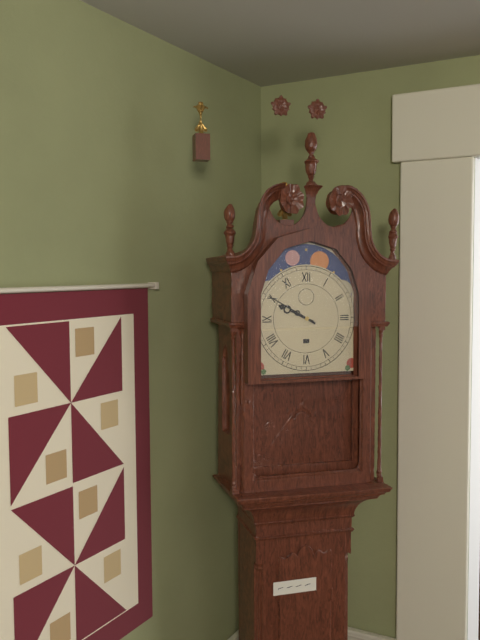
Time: {"hour": 9, "minute": 50}
